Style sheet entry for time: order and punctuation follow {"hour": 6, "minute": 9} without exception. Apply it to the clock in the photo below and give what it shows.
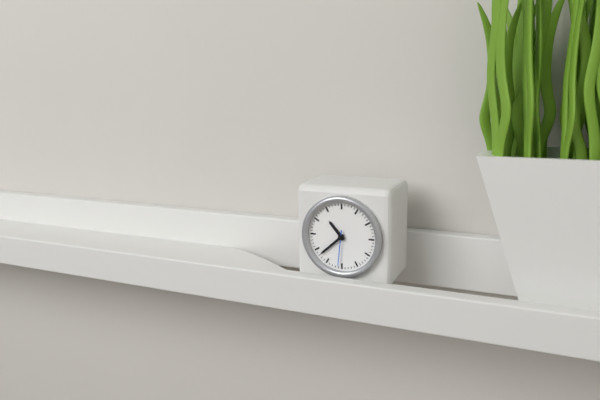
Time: {"hour": 10, "minute": 38}
